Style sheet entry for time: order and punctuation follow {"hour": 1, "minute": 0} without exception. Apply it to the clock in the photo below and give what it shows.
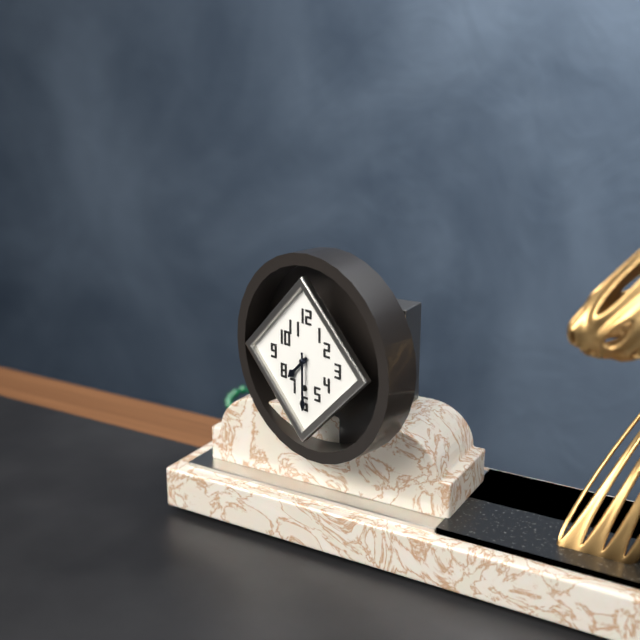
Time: {"hour": 7, "minute": 30}
